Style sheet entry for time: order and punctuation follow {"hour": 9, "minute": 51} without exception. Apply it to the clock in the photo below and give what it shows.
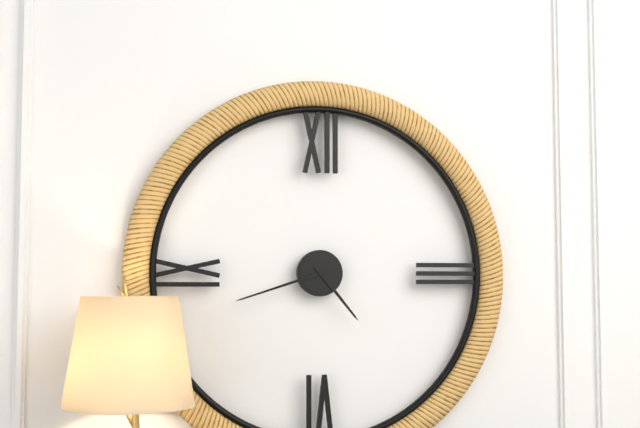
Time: {"hour": 4, "minute": 42}
